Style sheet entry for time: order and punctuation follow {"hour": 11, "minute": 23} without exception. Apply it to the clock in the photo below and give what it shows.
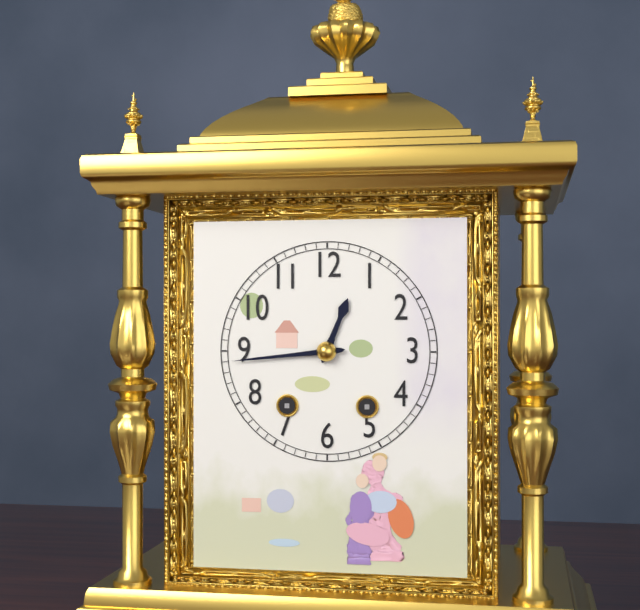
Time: {"hour": 12, "minute": 44}
